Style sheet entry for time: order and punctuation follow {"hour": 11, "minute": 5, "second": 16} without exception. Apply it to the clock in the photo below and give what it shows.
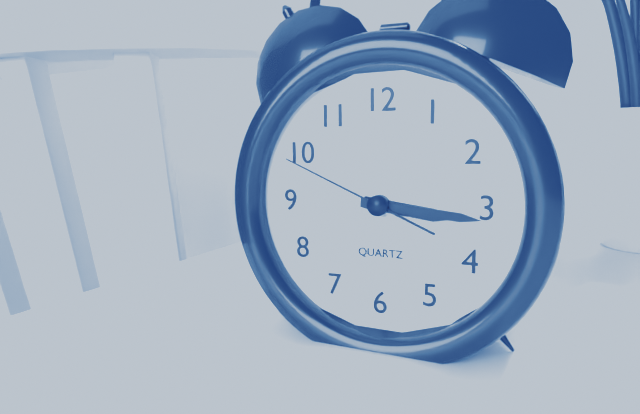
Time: {"hour": 3, "minute": 16, "second": 49}
